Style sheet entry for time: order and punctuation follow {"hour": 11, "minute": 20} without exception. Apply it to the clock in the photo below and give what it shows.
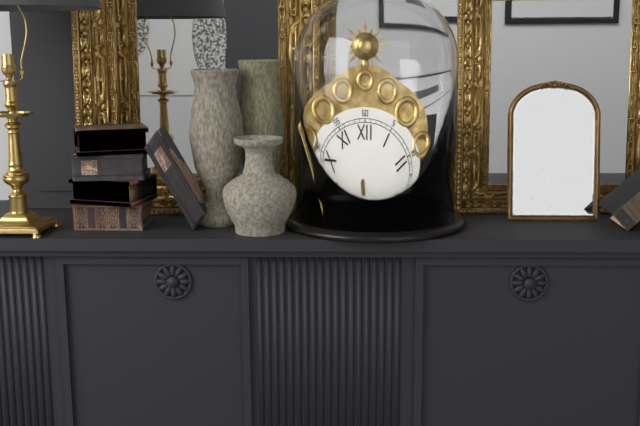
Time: {"hour": 7, "minute": 27}
